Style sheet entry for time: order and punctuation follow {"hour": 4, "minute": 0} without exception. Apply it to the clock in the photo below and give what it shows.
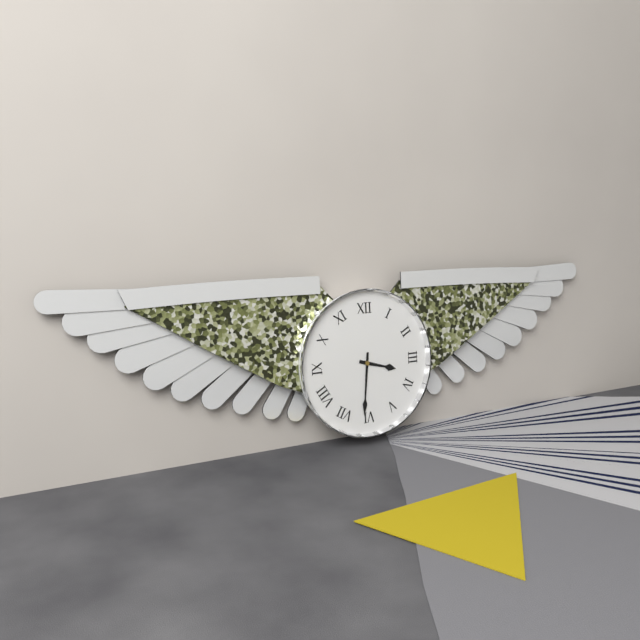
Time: {"hour": 3, "minute": 31}
